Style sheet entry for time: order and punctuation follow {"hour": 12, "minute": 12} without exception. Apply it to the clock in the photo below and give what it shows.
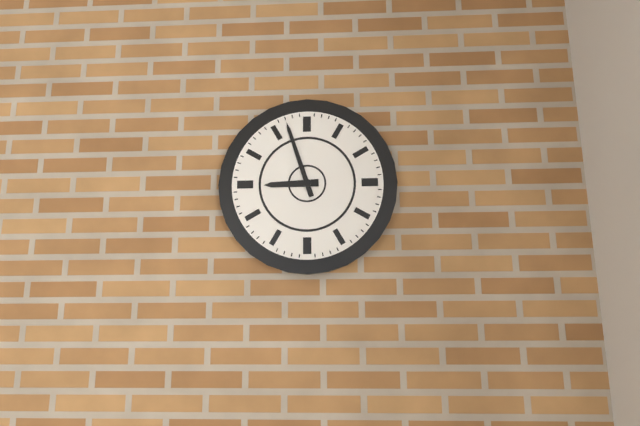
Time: {"hour": 8, "minute": 57}
